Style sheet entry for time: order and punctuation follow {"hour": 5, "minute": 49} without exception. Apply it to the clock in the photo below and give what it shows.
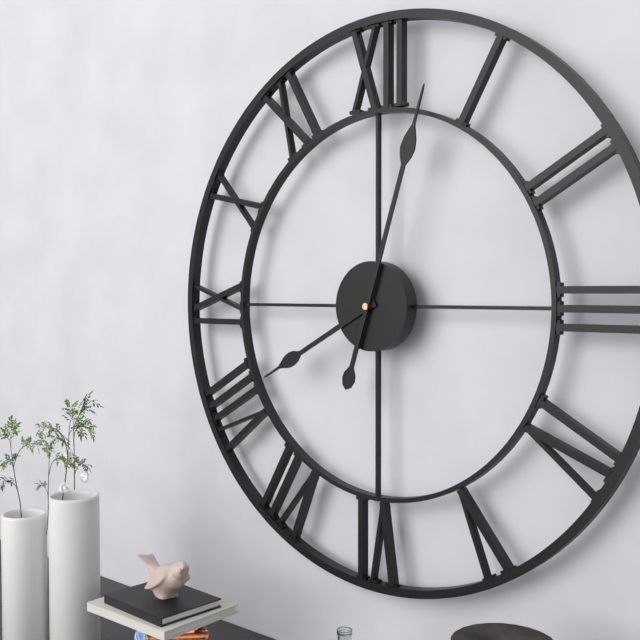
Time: {"hour": 8, "minute": 3}
